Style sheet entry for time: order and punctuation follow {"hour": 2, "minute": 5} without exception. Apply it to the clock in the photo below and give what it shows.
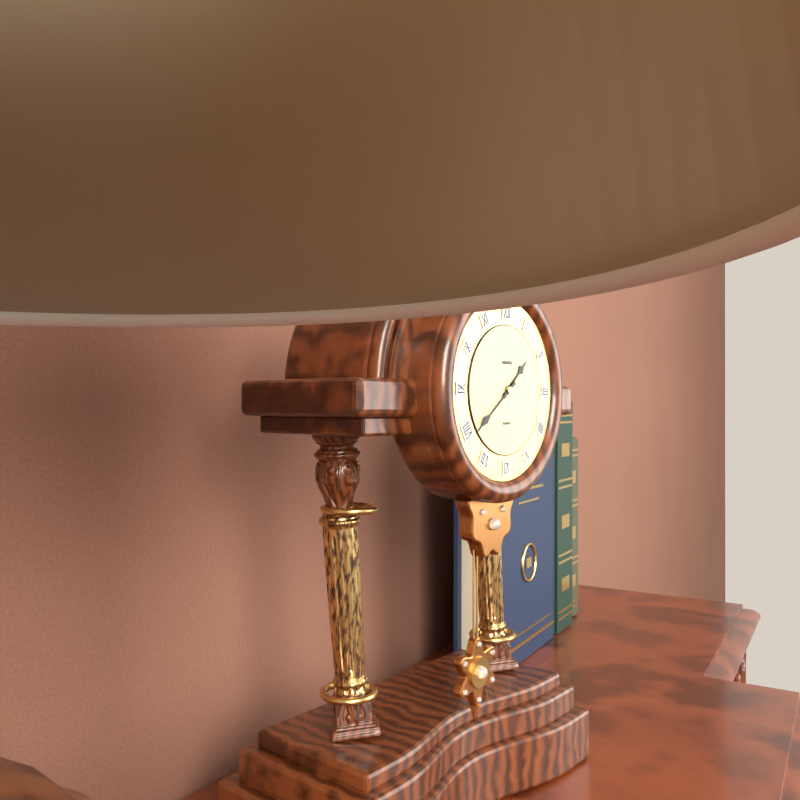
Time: {"hour": 1, "minute": 39}
